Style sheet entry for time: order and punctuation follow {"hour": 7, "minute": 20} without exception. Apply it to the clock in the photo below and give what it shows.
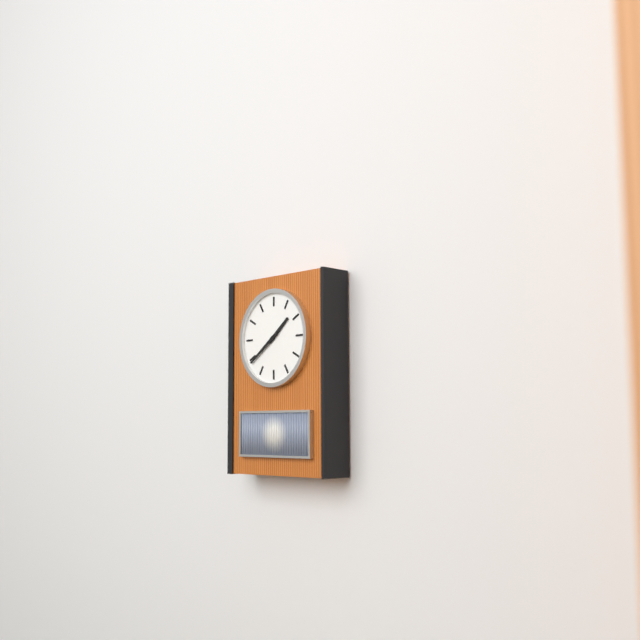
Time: {"hour": 1, "minute": 39}
